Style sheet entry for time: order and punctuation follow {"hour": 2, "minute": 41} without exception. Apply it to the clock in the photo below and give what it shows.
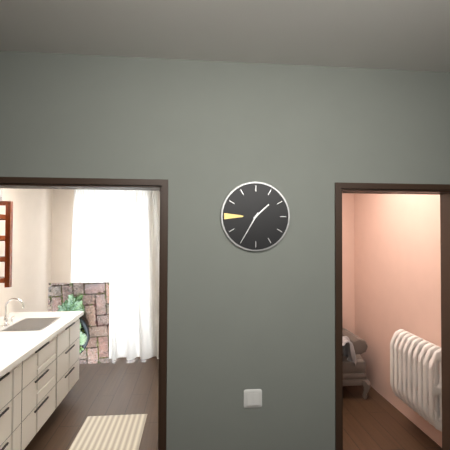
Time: {"hour": 1, "minute": 35}
